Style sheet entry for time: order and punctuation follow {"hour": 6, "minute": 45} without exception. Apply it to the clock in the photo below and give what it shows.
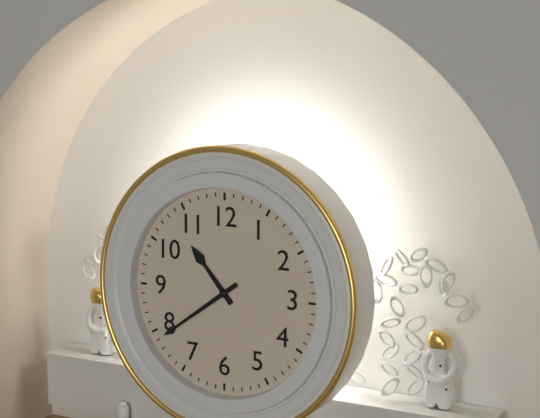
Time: {"hour": 10, "minute": 39}
